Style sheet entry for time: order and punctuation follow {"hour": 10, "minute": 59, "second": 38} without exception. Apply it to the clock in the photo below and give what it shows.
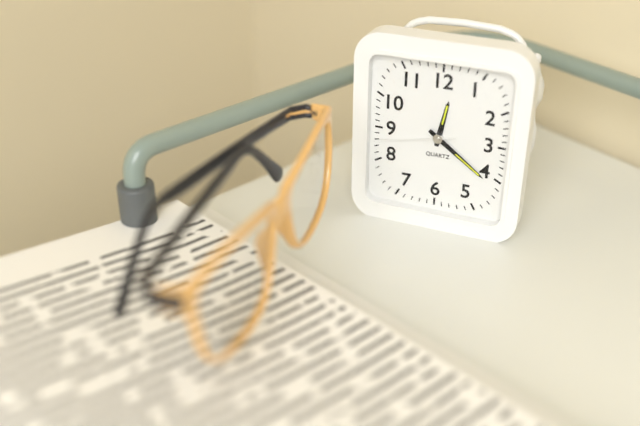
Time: {"hour": 12, "minute": 21, "second": 43}
